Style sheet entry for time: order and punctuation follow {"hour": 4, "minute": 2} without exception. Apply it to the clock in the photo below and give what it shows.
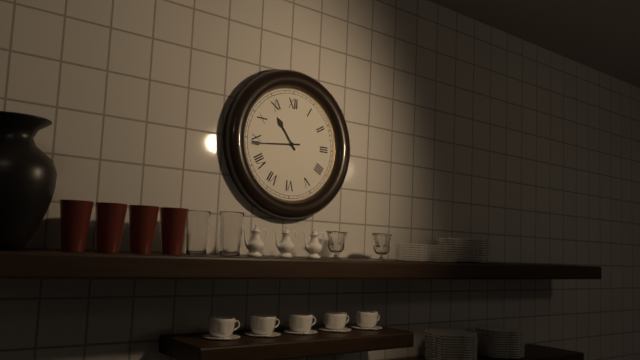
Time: {"hour": 10, "minute": 44}
